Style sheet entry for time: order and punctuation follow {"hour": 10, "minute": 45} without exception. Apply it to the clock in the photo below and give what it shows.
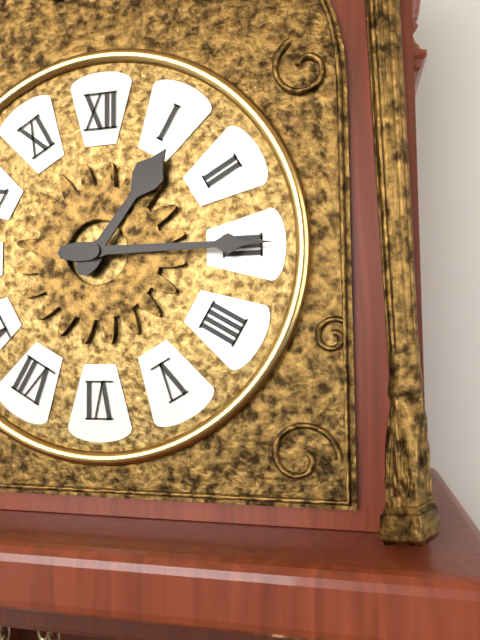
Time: {"hour": 1, "minute": 15}
